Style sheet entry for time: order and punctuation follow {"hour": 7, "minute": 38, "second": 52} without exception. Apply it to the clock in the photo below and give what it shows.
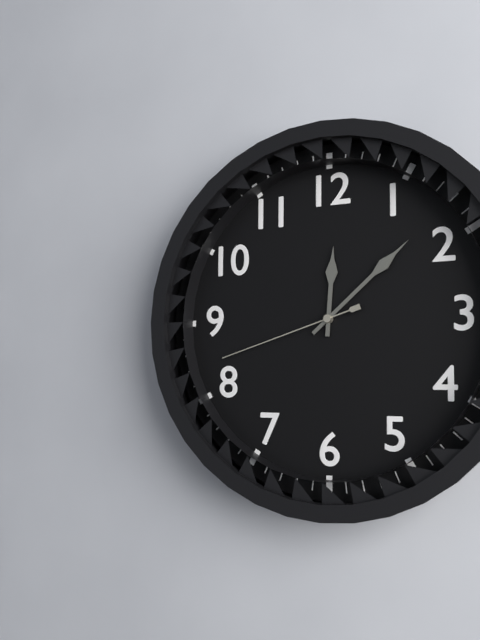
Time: {"hour": 12, "minute": 8, "second": 42}
